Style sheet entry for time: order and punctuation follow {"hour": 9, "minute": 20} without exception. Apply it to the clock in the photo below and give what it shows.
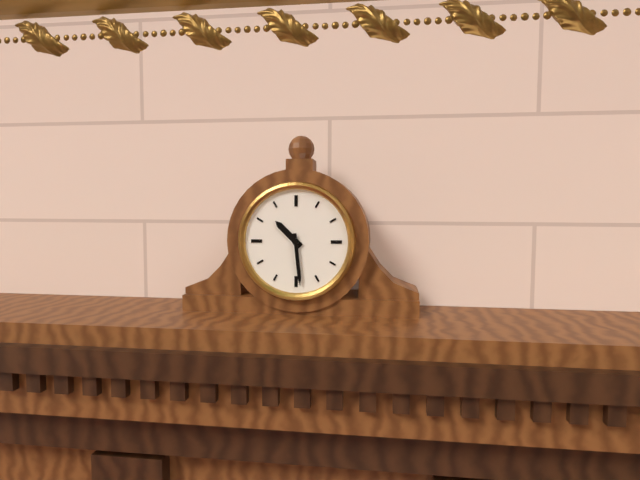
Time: {"hour": 10, "minute": 29}
